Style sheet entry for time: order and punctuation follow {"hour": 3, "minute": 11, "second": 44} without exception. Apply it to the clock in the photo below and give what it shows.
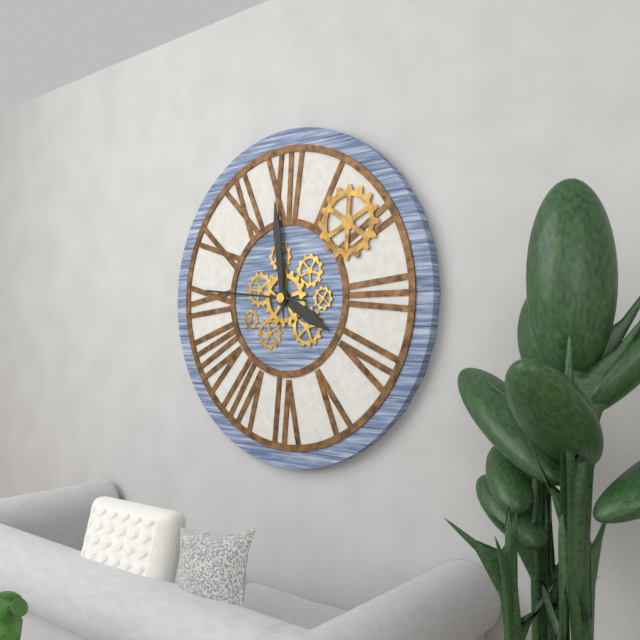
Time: {"hour": 3, "minute": 59, "second": 46}
